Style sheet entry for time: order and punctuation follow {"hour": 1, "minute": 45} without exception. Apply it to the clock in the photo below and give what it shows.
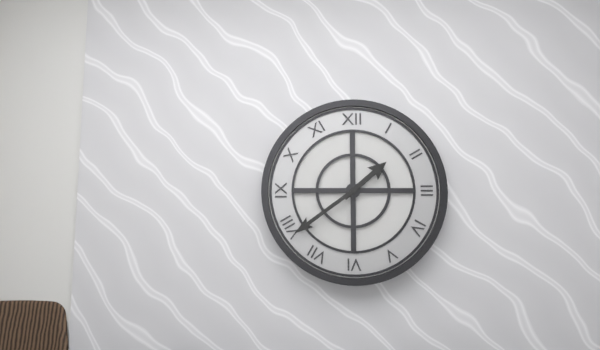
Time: {"hour": 1, "minute": 39}
